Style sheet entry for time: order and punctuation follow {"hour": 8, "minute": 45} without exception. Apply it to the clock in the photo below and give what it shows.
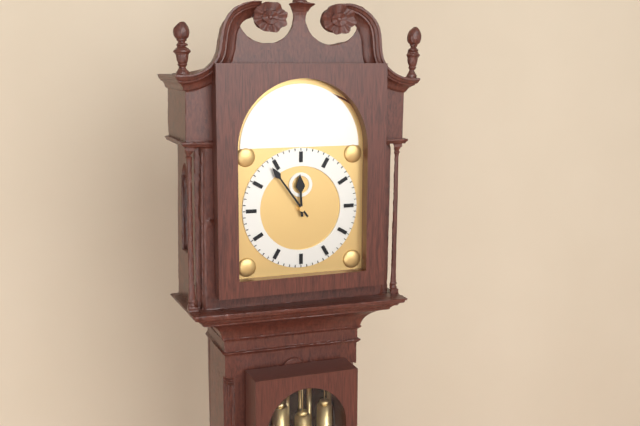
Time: {"hour": 11, "minute": 54}
